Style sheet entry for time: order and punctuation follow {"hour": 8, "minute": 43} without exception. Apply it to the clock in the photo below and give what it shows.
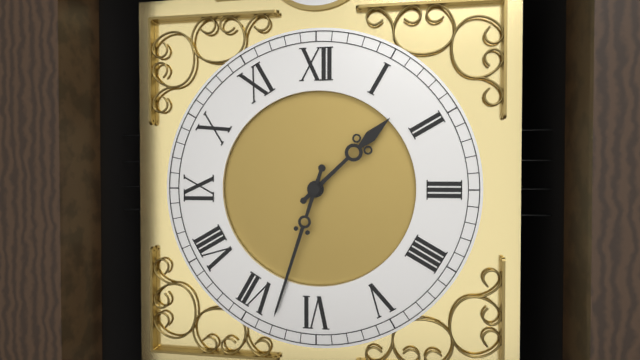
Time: {"hour": 1, "minute": 33}
